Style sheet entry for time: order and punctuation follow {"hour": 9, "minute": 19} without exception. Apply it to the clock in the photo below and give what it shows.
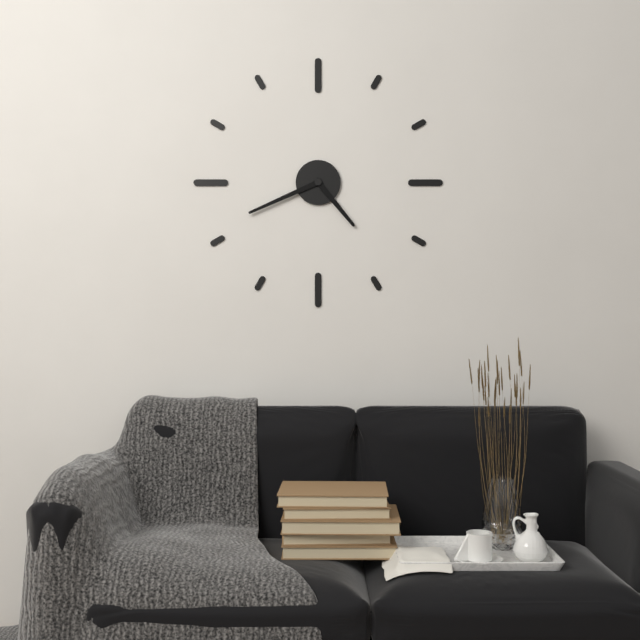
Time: {"hour": 4, "minute": 41}
